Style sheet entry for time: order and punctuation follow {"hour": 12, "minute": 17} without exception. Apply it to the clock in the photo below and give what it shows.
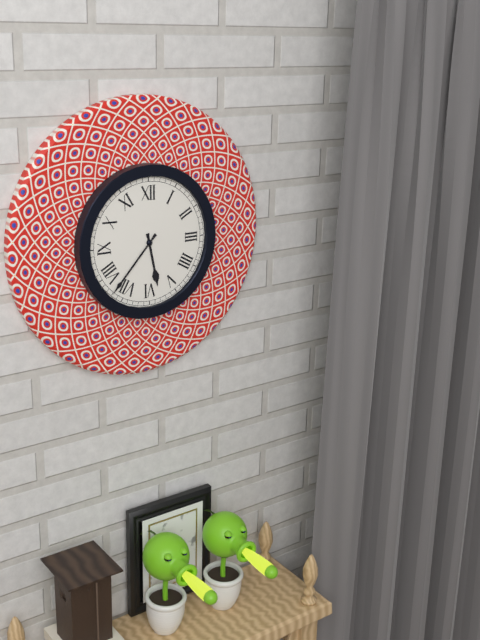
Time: {"hour": 5, "minute": 37}
